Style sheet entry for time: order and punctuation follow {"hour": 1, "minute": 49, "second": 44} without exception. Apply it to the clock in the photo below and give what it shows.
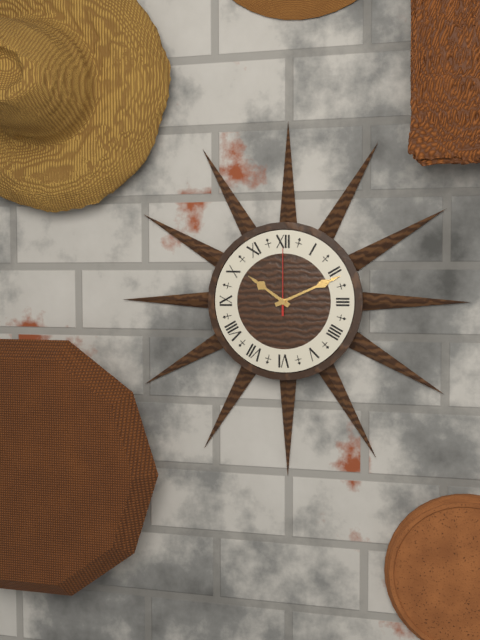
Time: {"hour": 10, "minute": 11, "second": 0}
